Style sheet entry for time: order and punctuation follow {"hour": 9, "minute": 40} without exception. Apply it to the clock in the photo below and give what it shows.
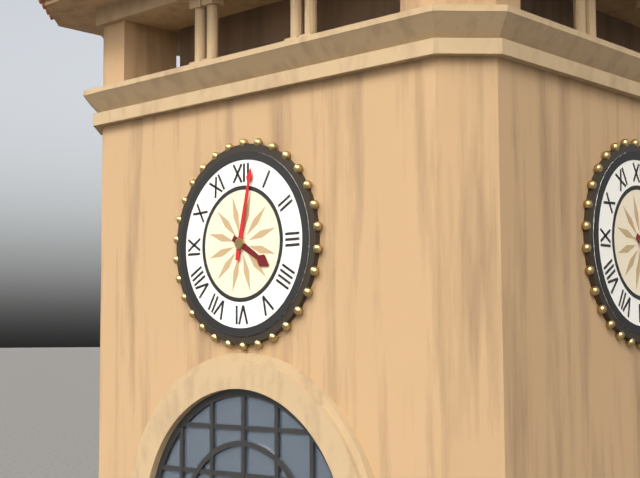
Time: {"hour": 4, "minute": 2}
